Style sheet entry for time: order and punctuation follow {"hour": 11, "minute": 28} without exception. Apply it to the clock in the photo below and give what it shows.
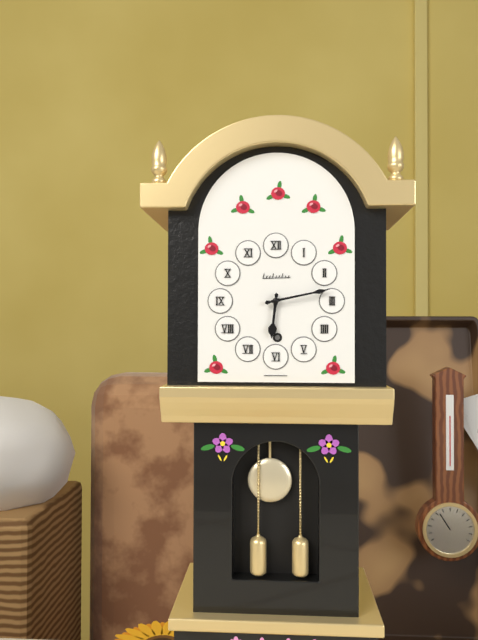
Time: {"hour": 6, "minute": 13}
